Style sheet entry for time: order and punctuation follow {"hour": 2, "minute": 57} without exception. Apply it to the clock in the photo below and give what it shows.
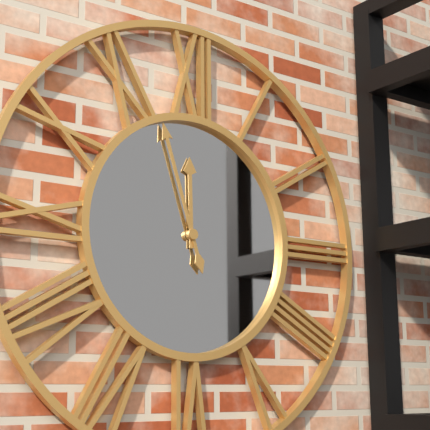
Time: {"hour": 11, "minute": 57}
